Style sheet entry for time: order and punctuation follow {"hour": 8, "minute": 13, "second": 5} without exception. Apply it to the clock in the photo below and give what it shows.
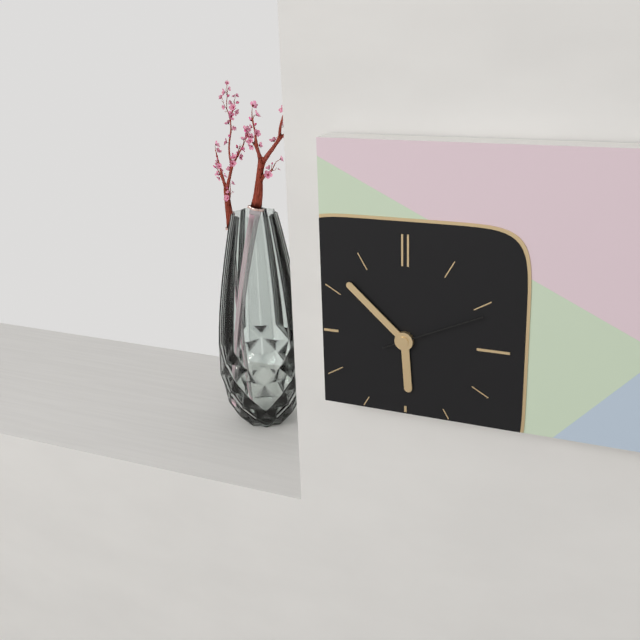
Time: {"hour": 5, "minute": 52, "second": 11}
